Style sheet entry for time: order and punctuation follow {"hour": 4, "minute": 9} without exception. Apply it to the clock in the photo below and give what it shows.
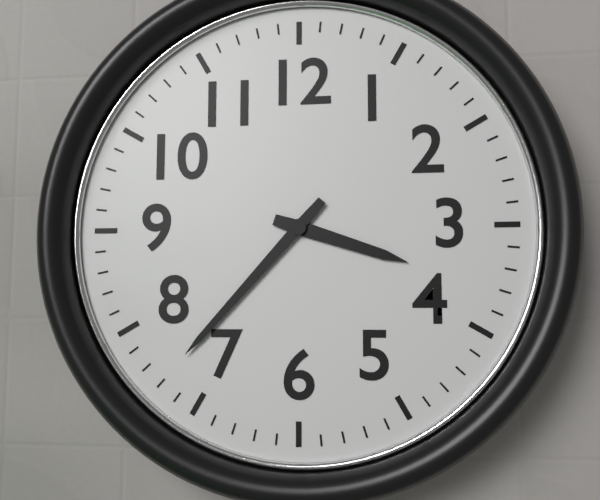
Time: {"hour": 3, "minute": 37}
